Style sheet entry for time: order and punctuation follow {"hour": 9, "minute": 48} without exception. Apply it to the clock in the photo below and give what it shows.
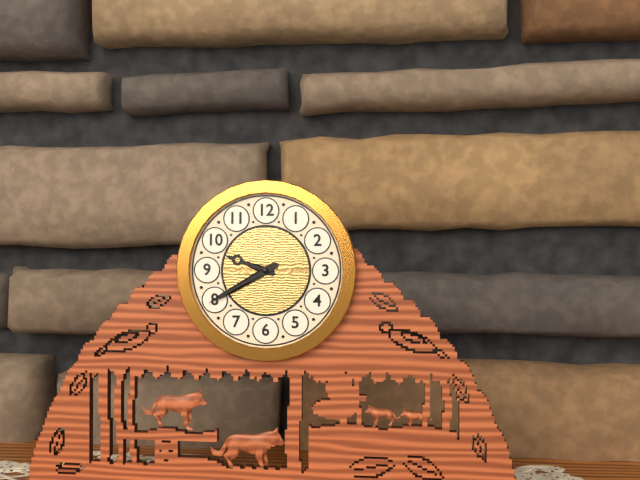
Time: {"hour": 9, "minute": 40}
